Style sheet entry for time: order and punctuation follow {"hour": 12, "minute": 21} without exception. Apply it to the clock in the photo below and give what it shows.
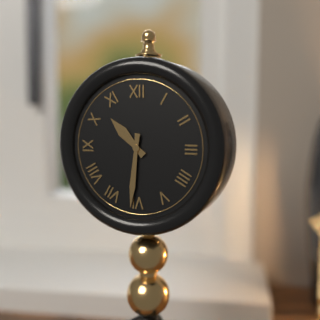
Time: {"hour": 10, "minute": 31}
